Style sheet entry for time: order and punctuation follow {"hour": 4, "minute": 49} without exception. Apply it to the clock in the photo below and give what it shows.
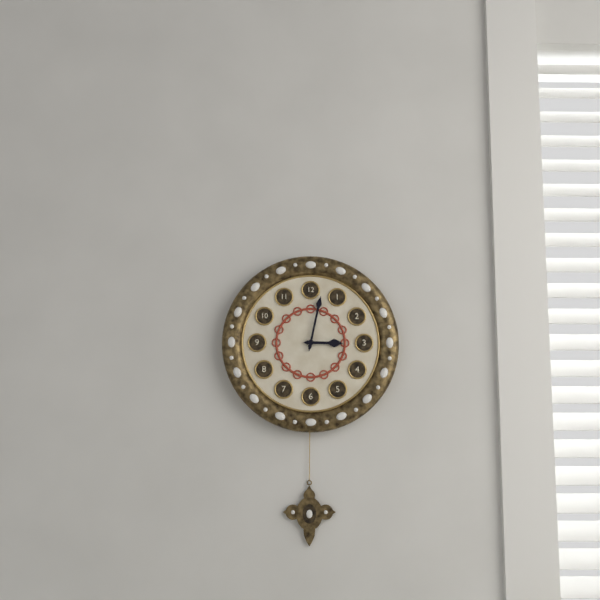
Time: {"hour": 3, "minute": 2}
